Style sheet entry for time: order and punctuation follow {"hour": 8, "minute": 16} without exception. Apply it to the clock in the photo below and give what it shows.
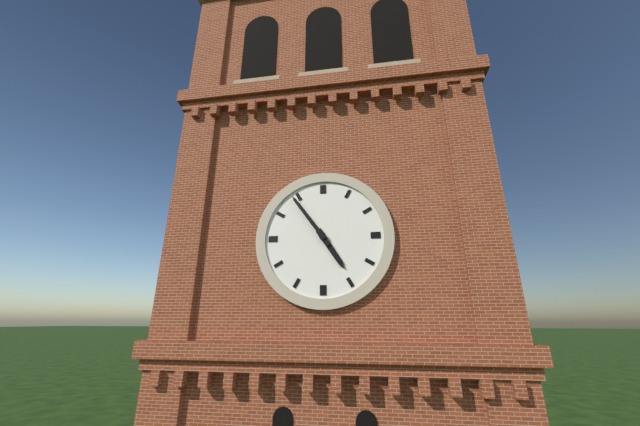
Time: {"hour": 4, "minute": 54}
